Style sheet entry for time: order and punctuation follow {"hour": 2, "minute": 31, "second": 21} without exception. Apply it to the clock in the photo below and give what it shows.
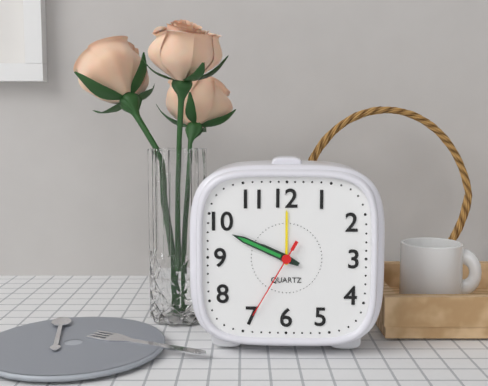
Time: {"hour": 9, "minute": 49, "second": 35}
